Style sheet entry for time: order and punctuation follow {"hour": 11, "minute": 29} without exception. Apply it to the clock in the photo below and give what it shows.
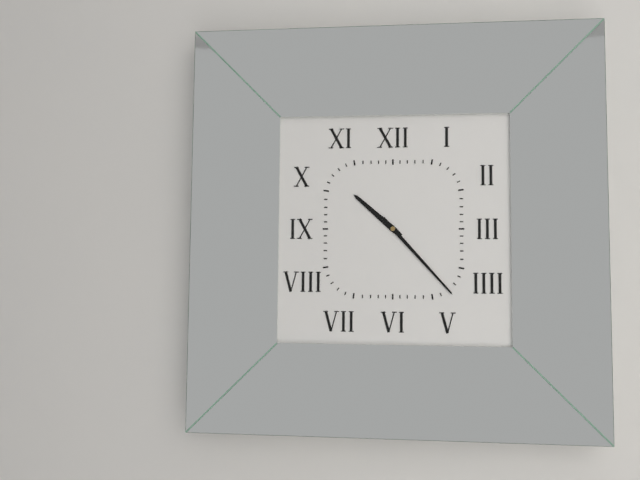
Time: {"hour": 10, "minute": 23}
